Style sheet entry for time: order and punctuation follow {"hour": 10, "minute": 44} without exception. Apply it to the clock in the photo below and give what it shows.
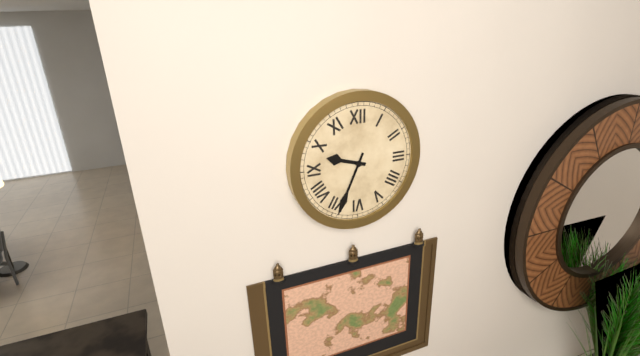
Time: {"hour": 9, "minute": 34}
